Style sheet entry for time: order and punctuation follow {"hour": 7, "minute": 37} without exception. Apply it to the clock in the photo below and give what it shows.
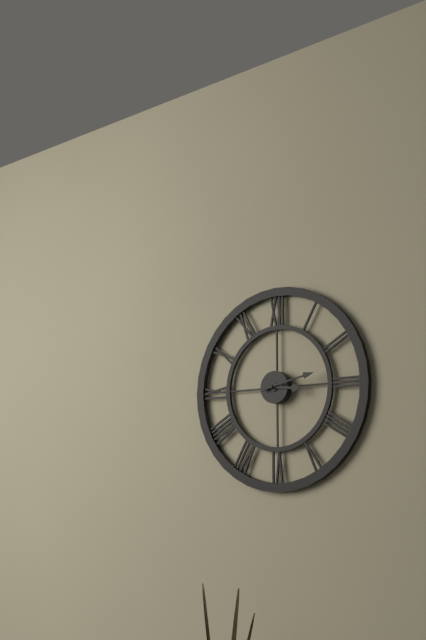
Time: {"hour": 3, "minute": 13}
